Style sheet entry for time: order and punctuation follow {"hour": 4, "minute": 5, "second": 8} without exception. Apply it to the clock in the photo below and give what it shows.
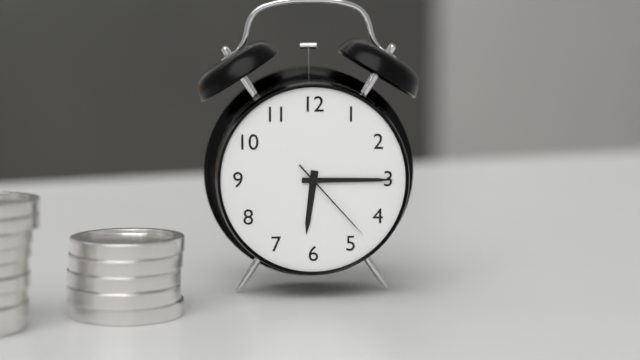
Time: {"hour": 6, "minute": 15, "second": 23}
